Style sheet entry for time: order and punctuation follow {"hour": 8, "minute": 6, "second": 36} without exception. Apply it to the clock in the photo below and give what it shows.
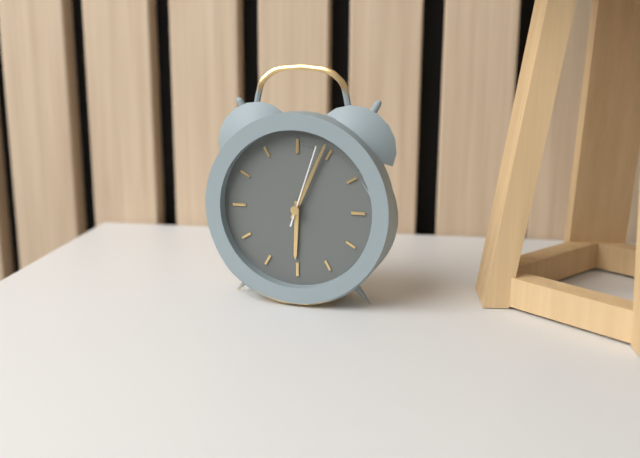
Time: {"hour": 6, "minute": 4, "second": 3}
